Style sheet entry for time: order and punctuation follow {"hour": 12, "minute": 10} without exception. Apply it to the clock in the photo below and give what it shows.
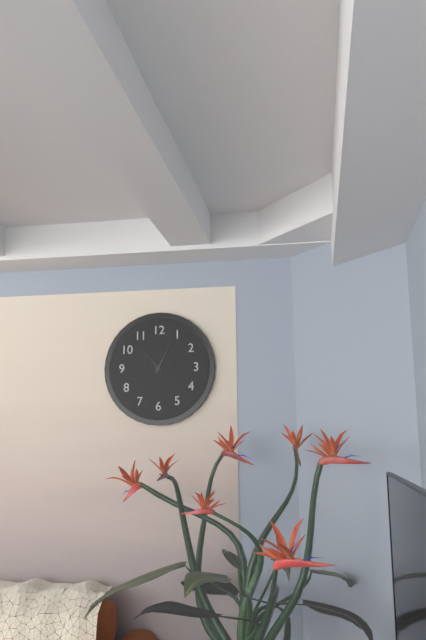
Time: {"hour": 12, "minute": 53}
